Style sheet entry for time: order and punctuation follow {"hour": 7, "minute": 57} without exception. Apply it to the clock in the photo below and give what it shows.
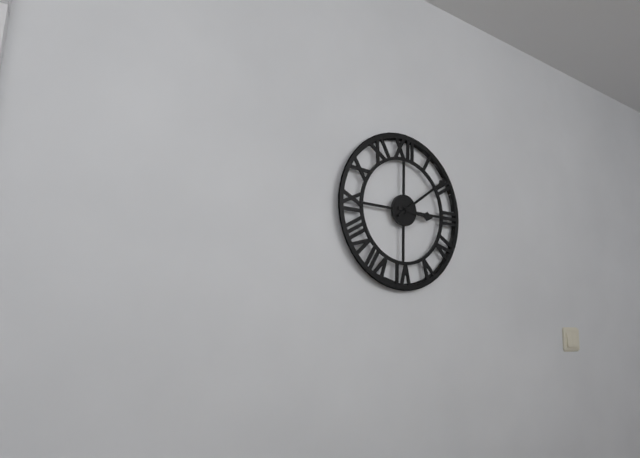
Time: {"hour": 3, "minute": 9}
